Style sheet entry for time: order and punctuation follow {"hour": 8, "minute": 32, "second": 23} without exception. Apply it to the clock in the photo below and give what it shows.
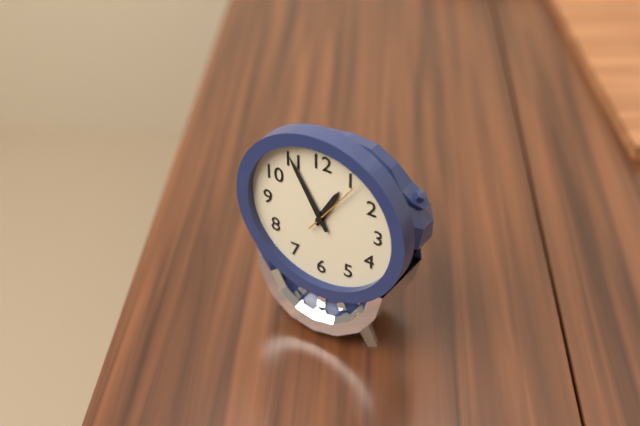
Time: {"hour": 12, "minute": 55, "second": 6}
